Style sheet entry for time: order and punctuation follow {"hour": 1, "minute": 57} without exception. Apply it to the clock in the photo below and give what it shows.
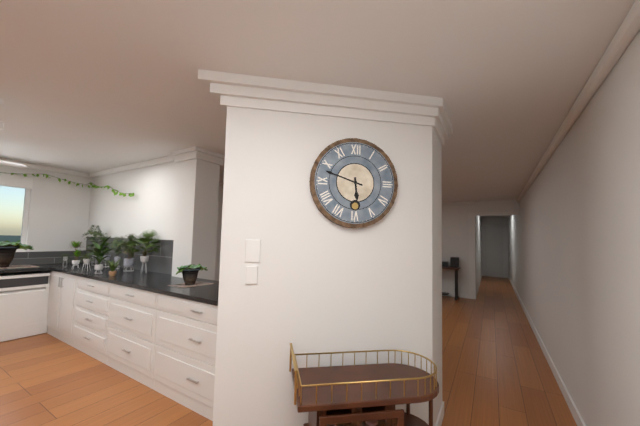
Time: {"hour": 5, "minute": 48}
